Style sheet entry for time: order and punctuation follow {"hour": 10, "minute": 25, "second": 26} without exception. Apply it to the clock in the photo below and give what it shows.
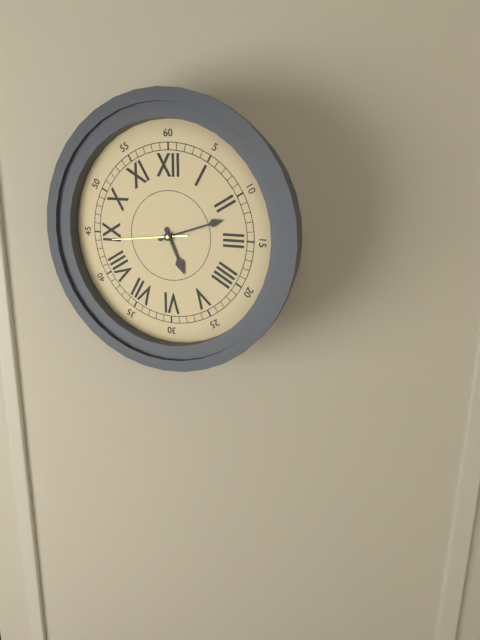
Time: {"hour": 5, "minute": 12, "second": 44}
